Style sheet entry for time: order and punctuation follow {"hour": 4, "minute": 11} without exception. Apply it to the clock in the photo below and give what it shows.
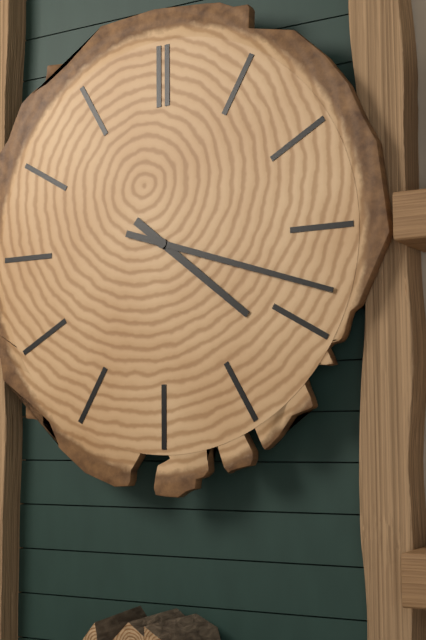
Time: {"hour": 4, "minute": 18}
